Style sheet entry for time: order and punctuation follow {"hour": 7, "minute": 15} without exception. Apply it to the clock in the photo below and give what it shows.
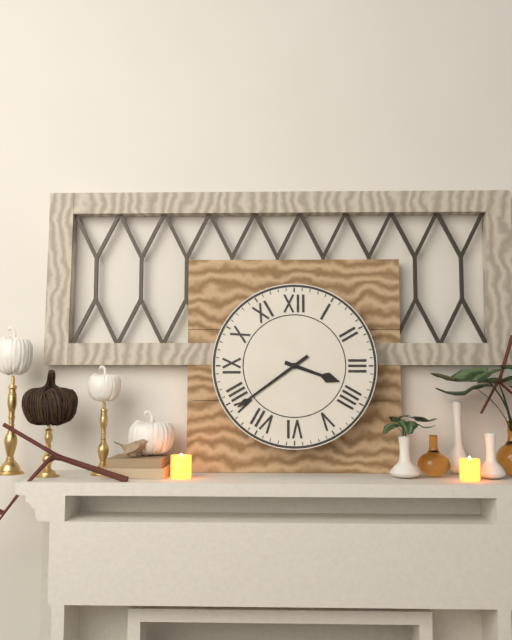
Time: {"hour": 3, "minute": 39}
